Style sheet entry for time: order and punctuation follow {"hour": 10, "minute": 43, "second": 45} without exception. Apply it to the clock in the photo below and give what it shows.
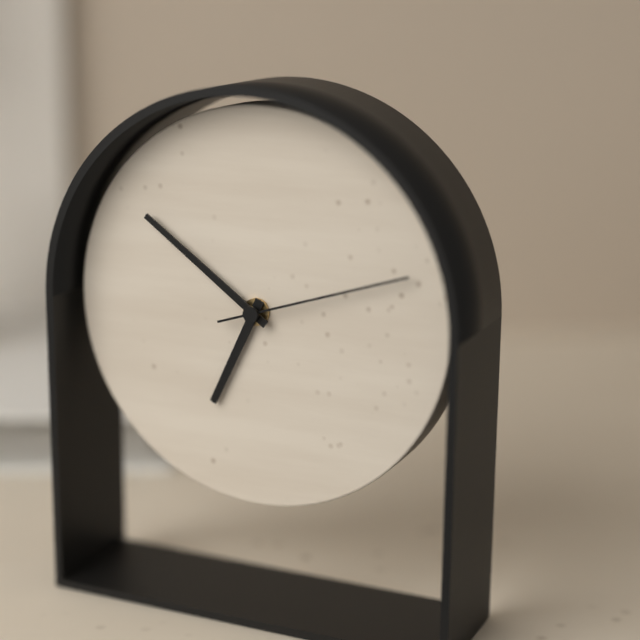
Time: {"hour": 6, "minute": 51, "second": 12}
